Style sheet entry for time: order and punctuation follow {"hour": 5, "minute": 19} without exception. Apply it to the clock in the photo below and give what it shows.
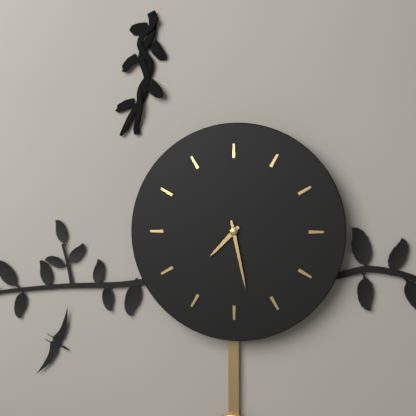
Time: {"hour": 7, "minute": 28}
